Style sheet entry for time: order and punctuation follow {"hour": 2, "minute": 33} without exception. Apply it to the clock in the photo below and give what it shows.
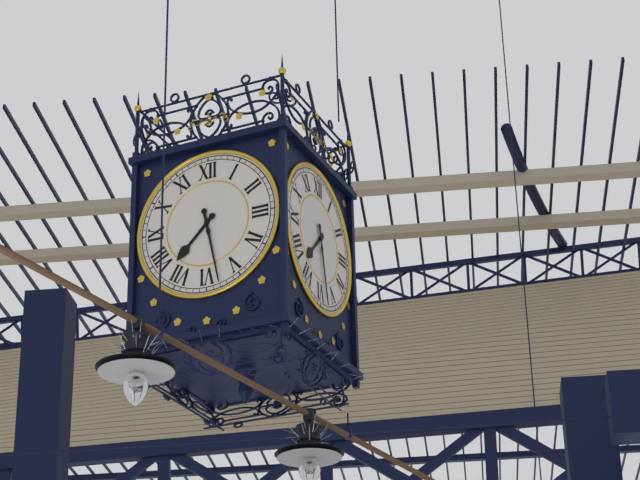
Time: {"hour": 7, "minute": 28}
